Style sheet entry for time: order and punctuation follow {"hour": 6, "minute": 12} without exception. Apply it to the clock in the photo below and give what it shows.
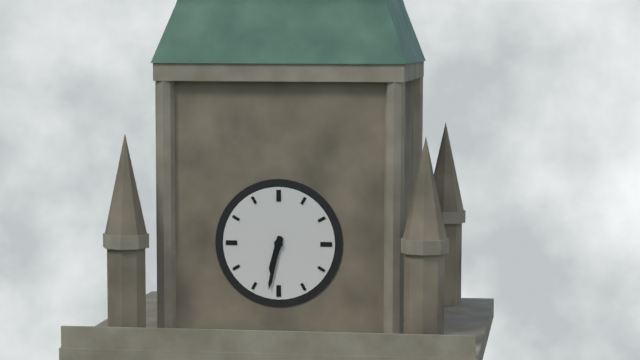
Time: {"hour": 6, "minute": 32}
